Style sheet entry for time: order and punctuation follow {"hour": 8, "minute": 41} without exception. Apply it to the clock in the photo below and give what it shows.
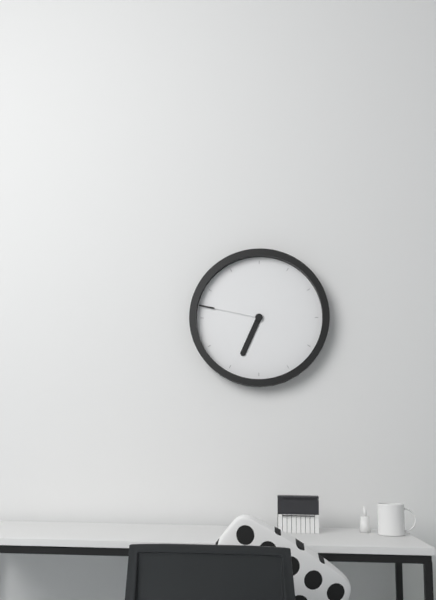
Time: {"hour": 6, "minute": 47}
